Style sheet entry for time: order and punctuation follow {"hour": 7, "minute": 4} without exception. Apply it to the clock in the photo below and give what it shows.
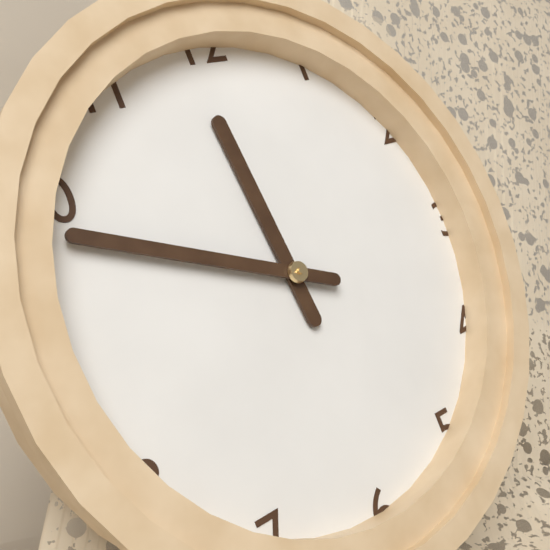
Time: {"hour": 11, "minute": 49}
